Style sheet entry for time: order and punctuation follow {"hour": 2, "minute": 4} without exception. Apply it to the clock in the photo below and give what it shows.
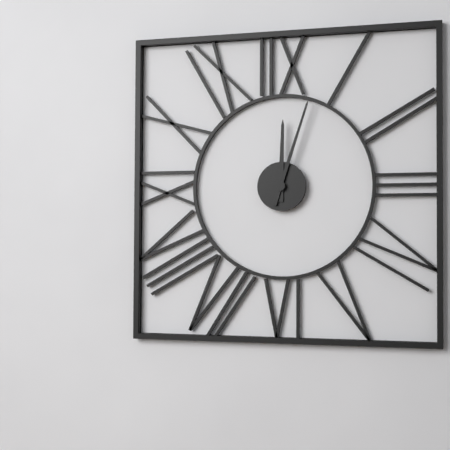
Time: {"hour": 12, "minute": 3}
